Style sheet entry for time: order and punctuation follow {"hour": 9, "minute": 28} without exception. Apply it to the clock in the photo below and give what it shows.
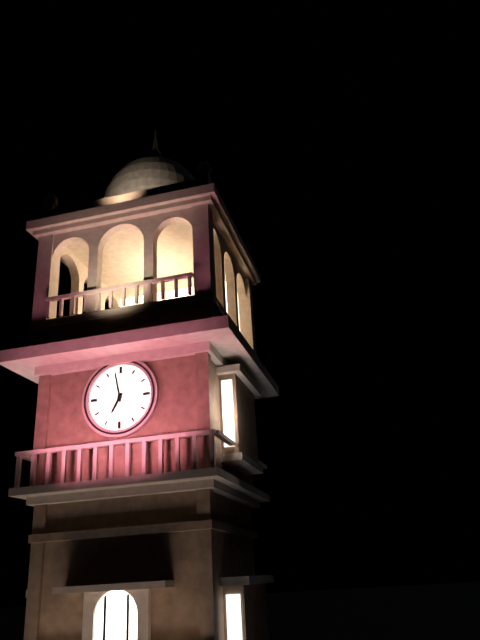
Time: {"hour": 6, "minute": 58}
